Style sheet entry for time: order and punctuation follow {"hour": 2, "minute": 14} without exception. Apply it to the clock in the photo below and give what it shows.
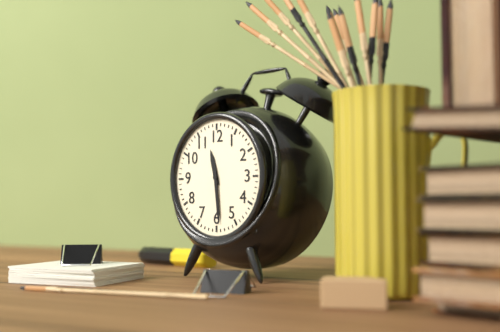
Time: {"hour": 11, "minute": 29}
